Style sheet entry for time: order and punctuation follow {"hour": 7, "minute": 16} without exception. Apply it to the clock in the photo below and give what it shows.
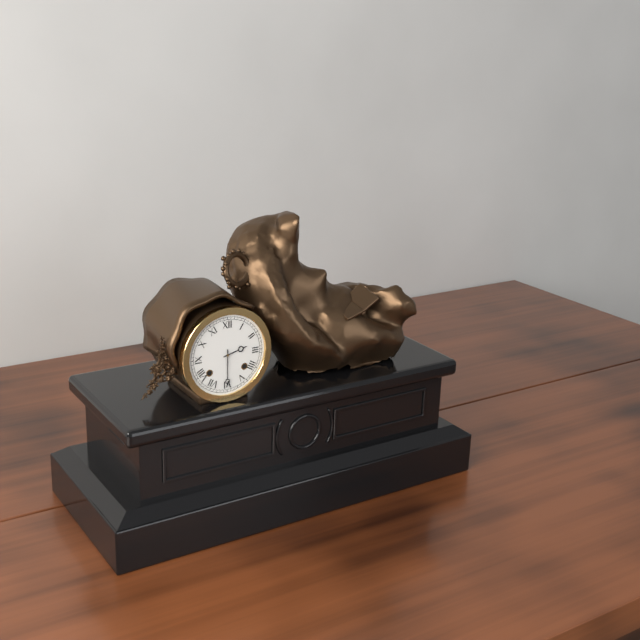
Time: {"hour": 2, "minute": 30}
